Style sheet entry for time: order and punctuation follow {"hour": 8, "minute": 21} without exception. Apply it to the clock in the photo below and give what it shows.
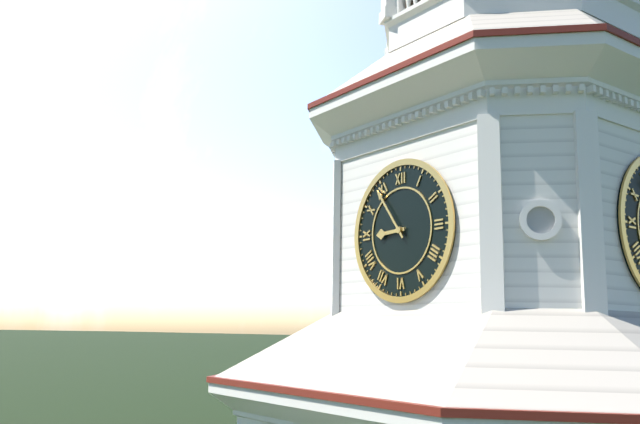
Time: {"hour": 8, "minute": 54}
